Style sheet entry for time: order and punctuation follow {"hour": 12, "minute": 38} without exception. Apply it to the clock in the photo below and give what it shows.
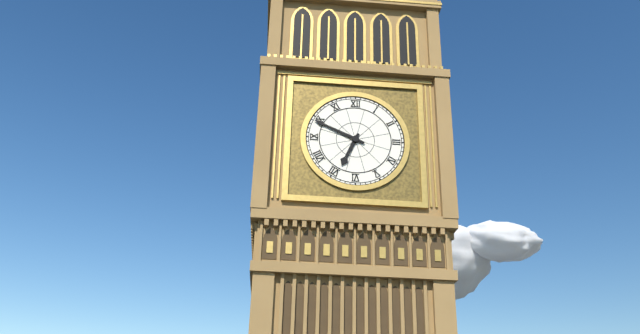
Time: {"hour": 6, "minute": 49}
